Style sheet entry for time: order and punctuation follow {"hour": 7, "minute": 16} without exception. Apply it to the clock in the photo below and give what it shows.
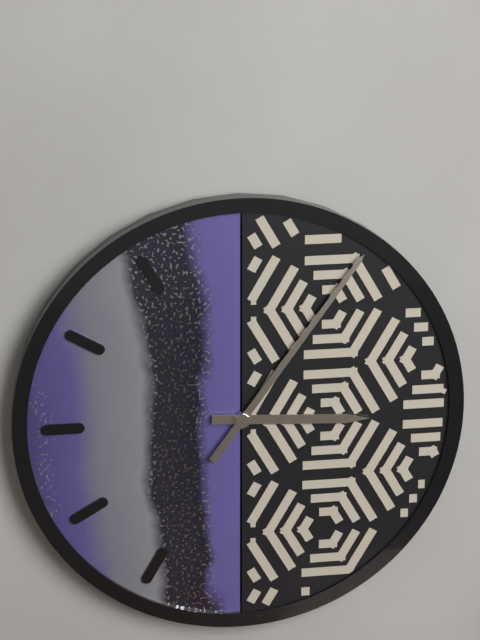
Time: {"hour": 3, "minute": 6}
